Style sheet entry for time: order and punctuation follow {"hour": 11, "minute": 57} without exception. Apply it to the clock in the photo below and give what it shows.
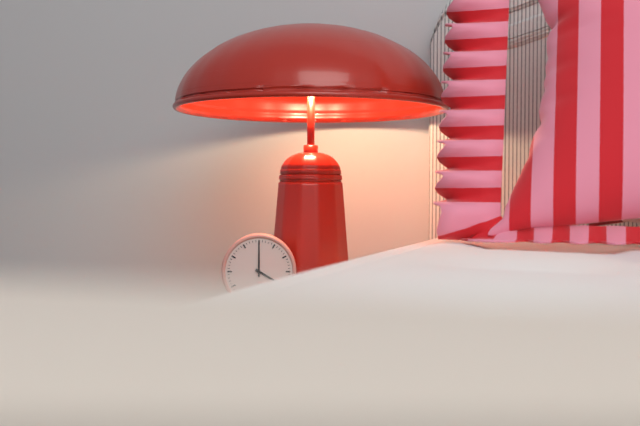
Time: {"hour": 4, "minute": 0}
